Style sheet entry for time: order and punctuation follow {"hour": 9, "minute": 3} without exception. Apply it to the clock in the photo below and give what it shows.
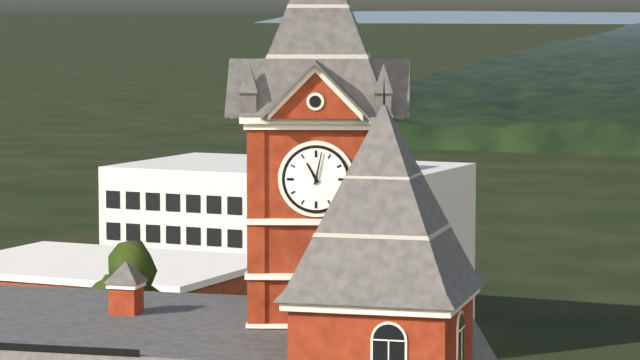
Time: {"hour": 11, "minute": 2}
